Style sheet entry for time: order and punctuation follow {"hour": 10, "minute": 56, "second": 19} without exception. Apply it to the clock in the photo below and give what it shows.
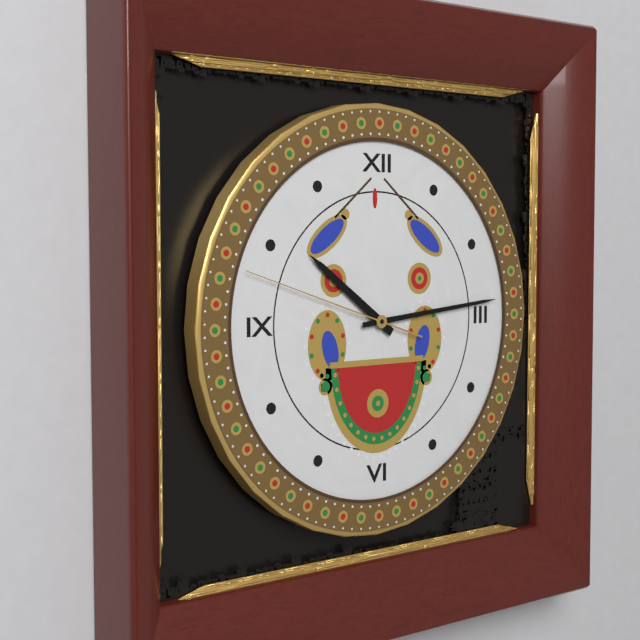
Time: {"hour": 10, "minute": 14, "second": 48}
